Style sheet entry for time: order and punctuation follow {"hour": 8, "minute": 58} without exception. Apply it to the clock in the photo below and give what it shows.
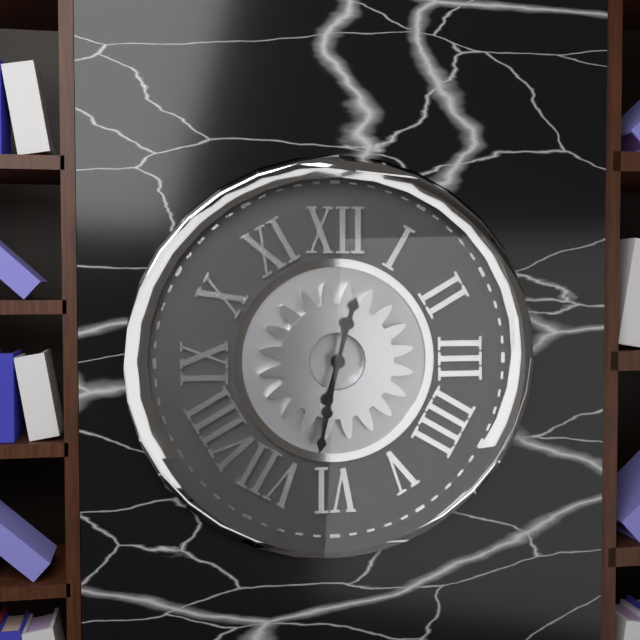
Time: {"hour": 12, "minute": 32}
